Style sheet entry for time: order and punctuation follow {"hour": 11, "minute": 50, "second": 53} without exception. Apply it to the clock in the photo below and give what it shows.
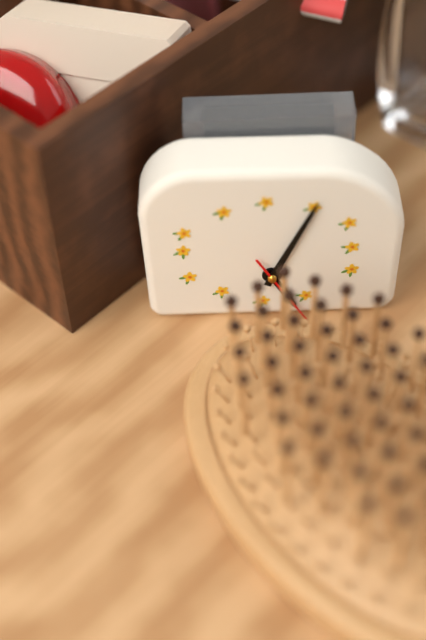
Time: {"hour": 5, "minute": 4, "second": 25}
